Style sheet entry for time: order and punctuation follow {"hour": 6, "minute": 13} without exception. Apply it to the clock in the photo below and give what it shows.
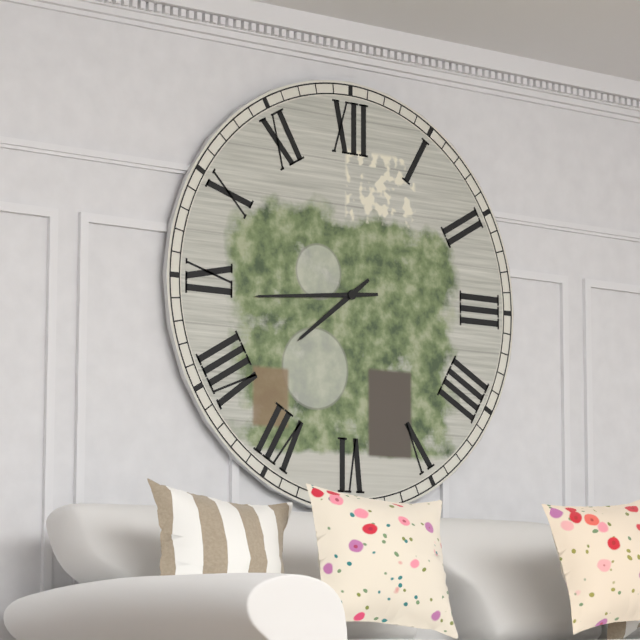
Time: {"hour": 7, "minute": 44}
